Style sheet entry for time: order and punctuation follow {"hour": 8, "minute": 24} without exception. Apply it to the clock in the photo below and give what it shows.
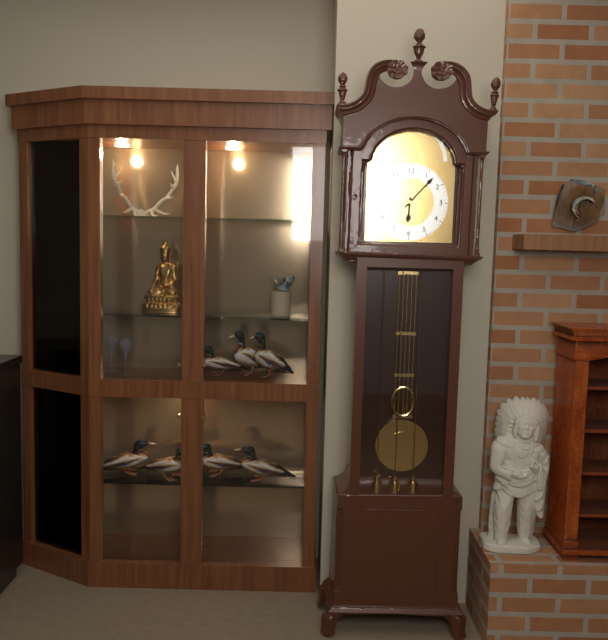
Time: {"hour": 6, "minute": 7}
